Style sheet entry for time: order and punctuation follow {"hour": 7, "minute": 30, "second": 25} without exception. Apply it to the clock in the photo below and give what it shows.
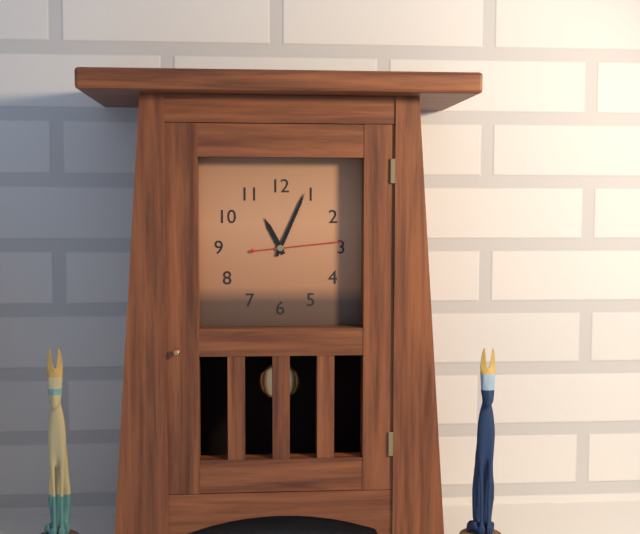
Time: {"hour": 11, "minute": 4, "second": 14}
